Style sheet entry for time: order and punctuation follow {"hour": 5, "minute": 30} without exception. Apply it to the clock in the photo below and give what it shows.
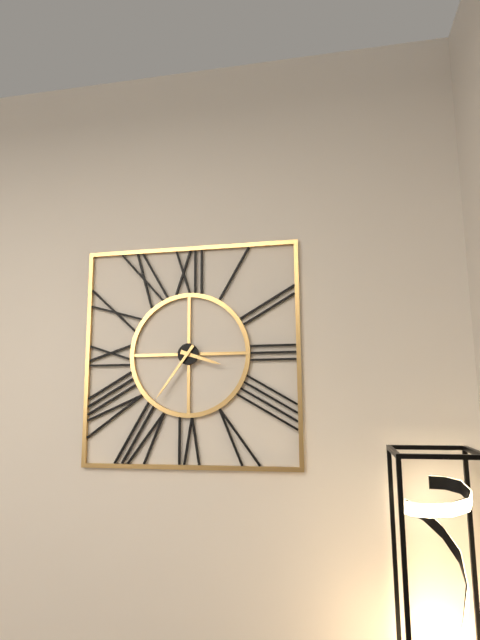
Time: {"hour": 3, "minute": 36}
